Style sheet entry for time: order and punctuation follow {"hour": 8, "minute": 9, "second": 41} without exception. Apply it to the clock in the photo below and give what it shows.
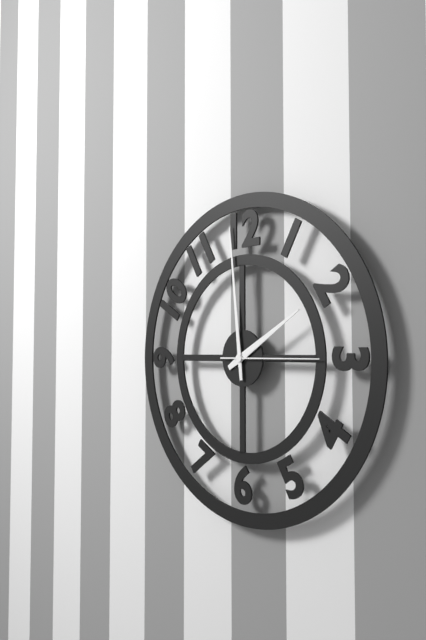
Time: {"hour": 1, "minute": 59, "second": 15}
